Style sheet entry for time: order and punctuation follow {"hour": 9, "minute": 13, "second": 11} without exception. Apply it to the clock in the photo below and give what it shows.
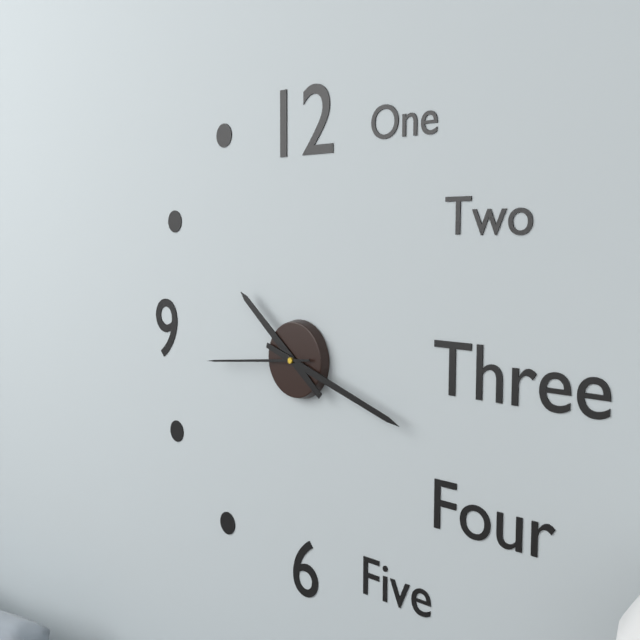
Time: {"hour": 10, "minute": 18, "second": 44}
